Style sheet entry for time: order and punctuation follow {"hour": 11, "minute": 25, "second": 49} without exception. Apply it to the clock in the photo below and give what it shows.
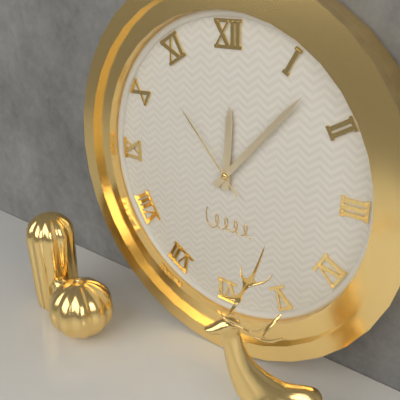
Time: {"hour": 12, "minute": 7, "second": 53}
